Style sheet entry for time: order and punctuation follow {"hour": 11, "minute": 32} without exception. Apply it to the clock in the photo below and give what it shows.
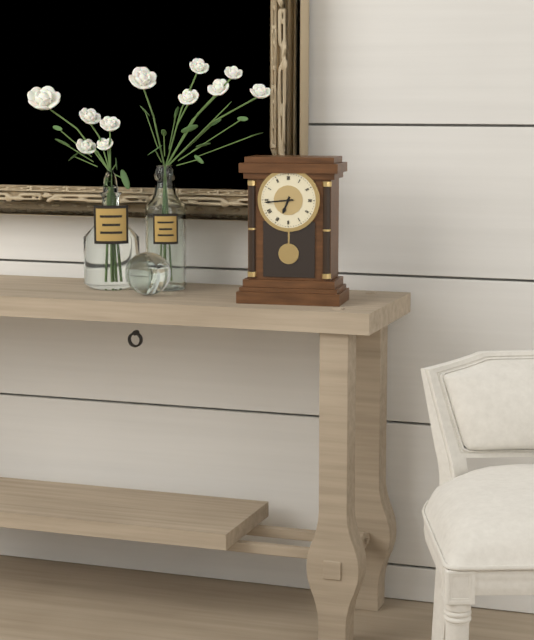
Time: {"hour": 6, "minute": 44}
